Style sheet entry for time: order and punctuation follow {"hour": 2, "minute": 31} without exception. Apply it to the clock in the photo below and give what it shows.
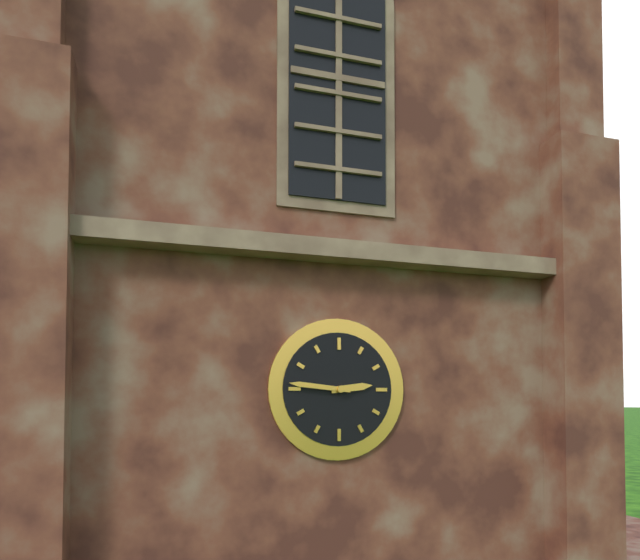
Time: {"hour": 2, "minute": 46}
